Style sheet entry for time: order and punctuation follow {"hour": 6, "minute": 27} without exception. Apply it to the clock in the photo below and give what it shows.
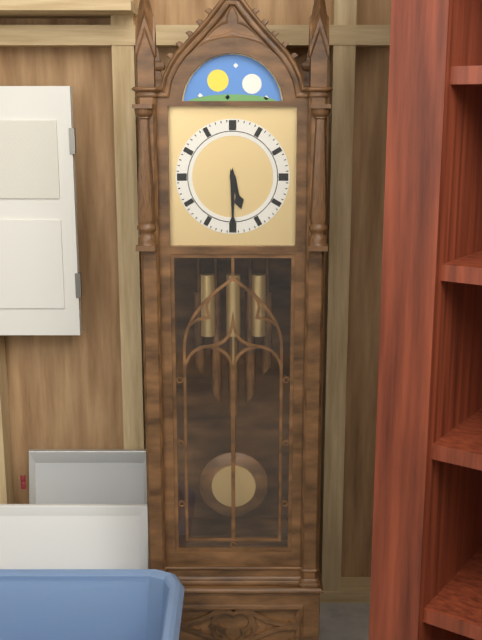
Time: {"hour": 5, "minute": 30}
